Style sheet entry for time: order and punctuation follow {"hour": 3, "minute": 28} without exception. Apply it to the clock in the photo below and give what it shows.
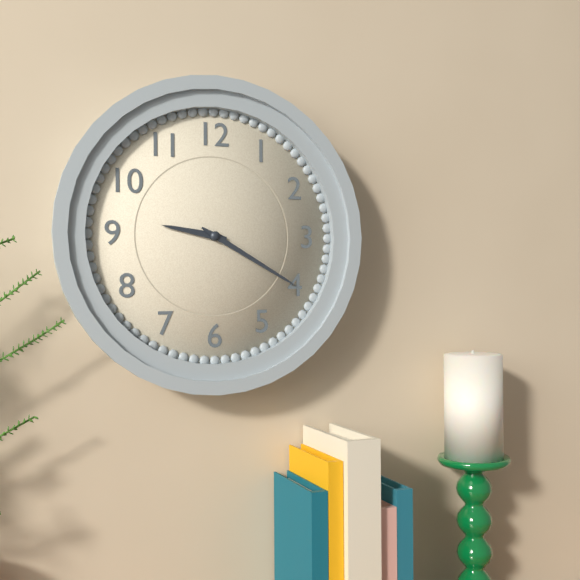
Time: {"hour": 9, "minute": 20}
